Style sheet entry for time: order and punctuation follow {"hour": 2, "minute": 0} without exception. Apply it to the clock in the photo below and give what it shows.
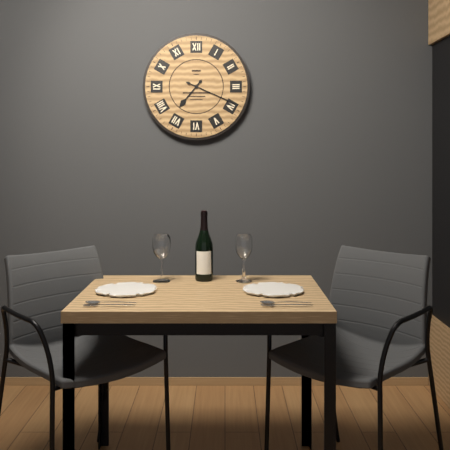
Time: {"hour": 7, "minute": 19}
